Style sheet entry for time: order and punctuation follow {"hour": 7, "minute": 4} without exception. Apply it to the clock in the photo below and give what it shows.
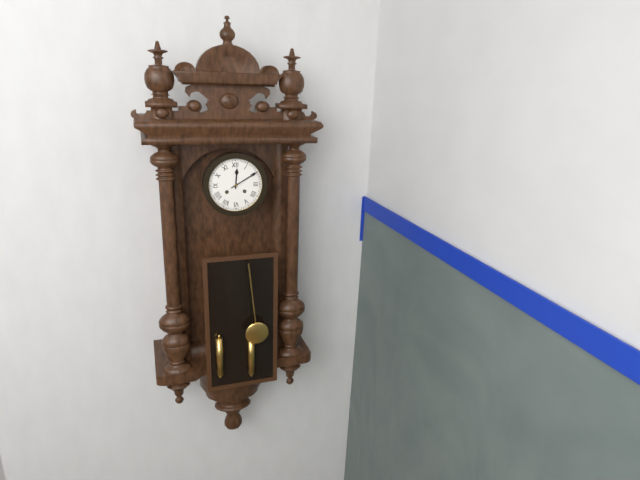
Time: {"hour": 12, "minute": 10}
